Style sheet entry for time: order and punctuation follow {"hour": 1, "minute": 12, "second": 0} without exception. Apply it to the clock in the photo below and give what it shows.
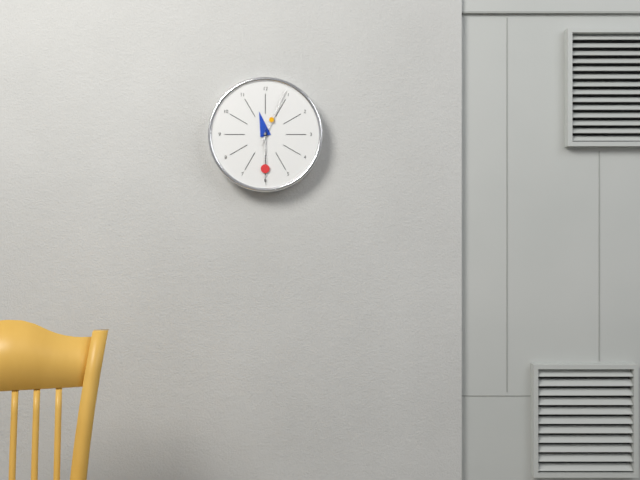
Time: {"hour": 11, "minute": 30, "second": 4}
